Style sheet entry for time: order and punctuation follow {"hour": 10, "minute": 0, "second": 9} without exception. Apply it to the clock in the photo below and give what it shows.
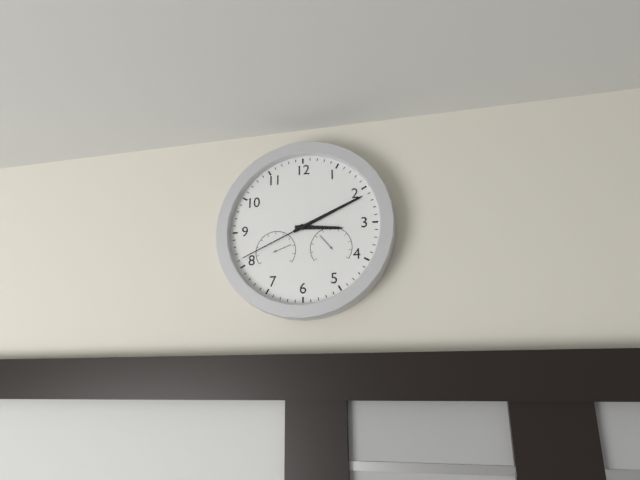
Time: {"hour": 3, "minute": 11, "second": 41}
